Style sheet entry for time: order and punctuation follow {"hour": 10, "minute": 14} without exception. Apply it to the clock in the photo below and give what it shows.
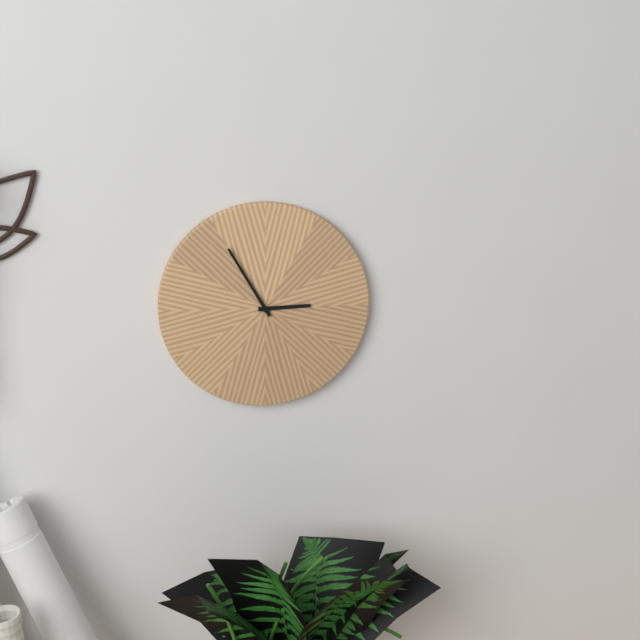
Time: {"hour": 2, "minute": 55}
